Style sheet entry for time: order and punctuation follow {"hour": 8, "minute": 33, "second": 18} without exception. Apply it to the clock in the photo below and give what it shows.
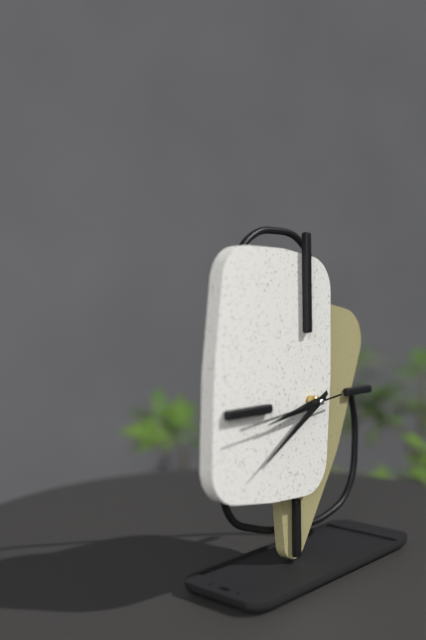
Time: {"hour": 8, "minute": 40, "second": 44}
